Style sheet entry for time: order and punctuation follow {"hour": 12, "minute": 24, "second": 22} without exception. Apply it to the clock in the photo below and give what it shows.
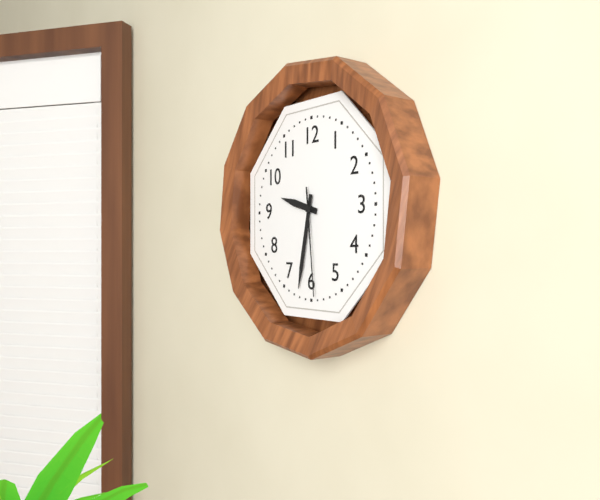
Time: {"hour": 9, "minute": 32, "second": 29}
